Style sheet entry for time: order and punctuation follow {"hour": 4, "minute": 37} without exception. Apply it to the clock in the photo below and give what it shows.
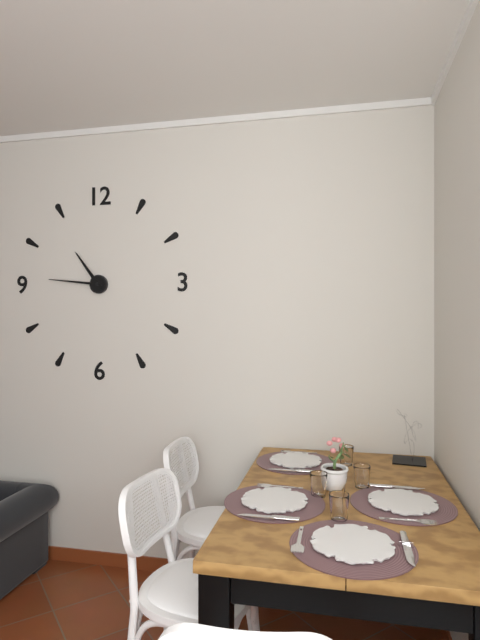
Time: {"hour": 10, "minute": 46}
